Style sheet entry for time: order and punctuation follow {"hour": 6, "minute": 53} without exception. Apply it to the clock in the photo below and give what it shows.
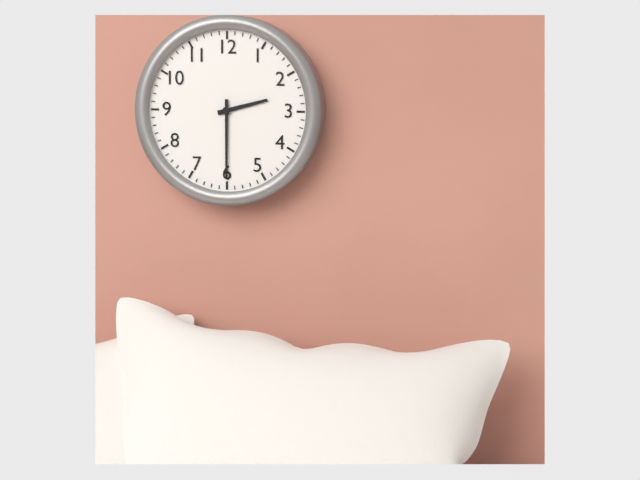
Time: {"hour": 2, "minute": 30}
